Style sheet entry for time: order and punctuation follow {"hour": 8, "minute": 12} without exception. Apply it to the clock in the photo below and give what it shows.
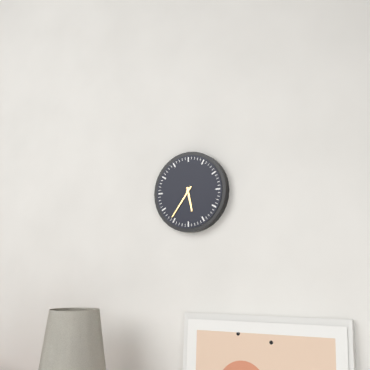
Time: {"hour": 5, "minute": 36}
